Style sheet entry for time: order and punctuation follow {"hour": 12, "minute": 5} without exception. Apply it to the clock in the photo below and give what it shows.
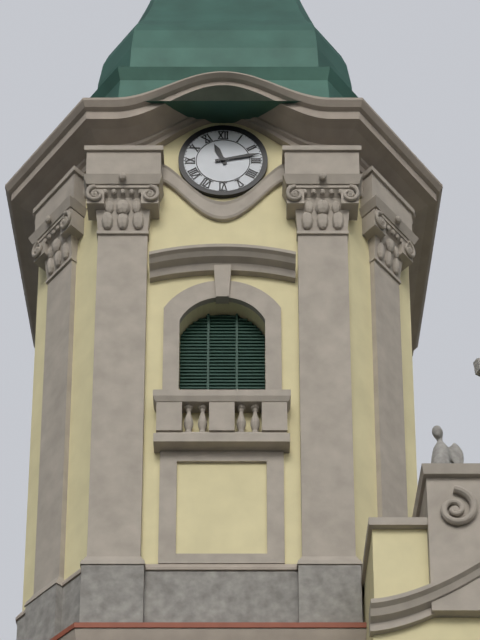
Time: {"hour": 11, "minute": 13}
